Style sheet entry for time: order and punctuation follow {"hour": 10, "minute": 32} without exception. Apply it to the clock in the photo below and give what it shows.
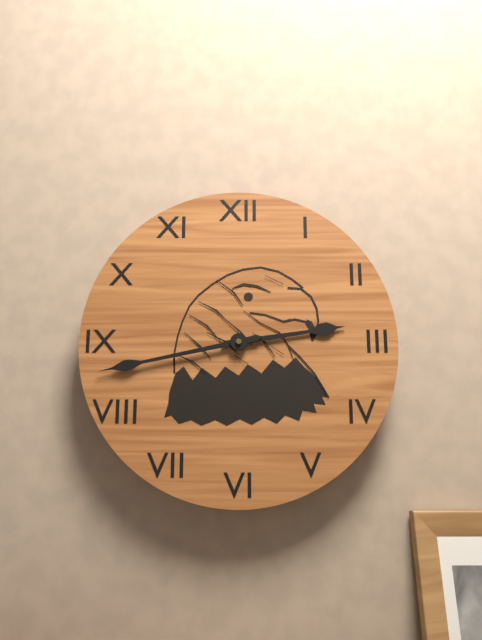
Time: {"hour": 2, "minute": 43}
